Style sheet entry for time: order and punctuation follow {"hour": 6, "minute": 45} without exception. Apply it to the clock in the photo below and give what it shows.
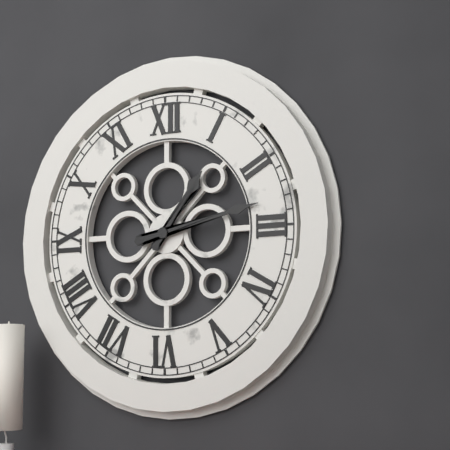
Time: {"hour": 1, "minute": 13}
